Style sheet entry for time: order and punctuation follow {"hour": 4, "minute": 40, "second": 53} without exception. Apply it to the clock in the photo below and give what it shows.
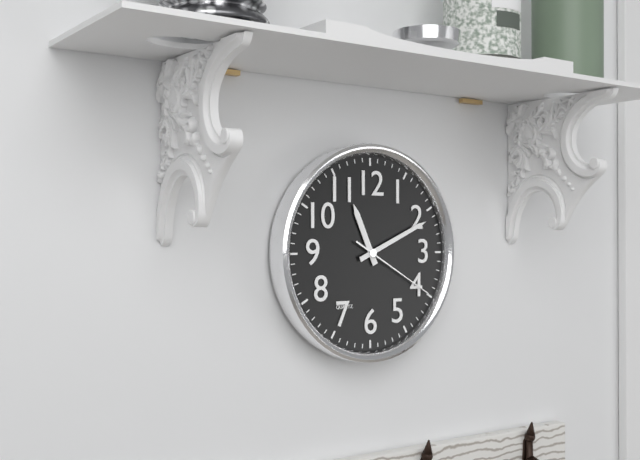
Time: {"hour": 11, "minute": 11, "second": 20}
